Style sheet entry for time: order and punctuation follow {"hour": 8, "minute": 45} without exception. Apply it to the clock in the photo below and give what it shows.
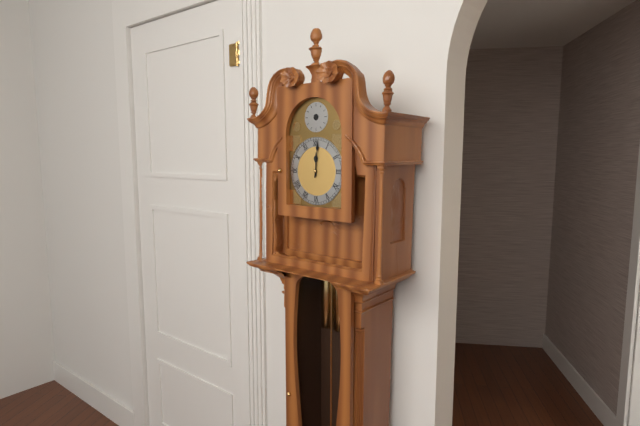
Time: {"hour": 12, "minute": 1}
